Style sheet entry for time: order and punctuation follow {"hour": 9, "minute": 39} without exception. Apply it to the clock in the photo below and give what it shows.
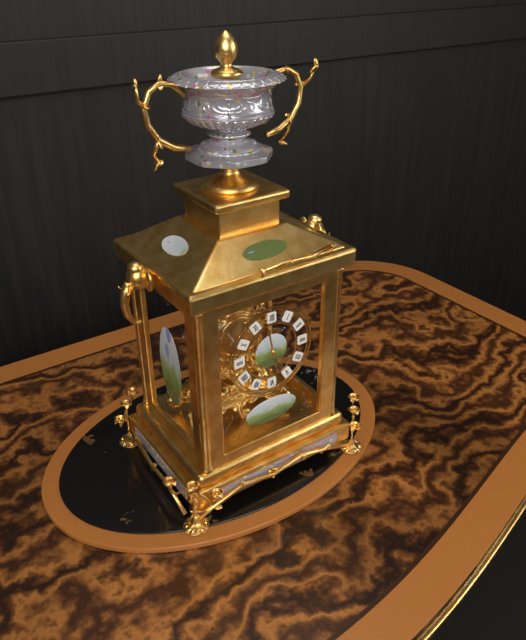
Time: {"hour": 4, "minute": 58}
